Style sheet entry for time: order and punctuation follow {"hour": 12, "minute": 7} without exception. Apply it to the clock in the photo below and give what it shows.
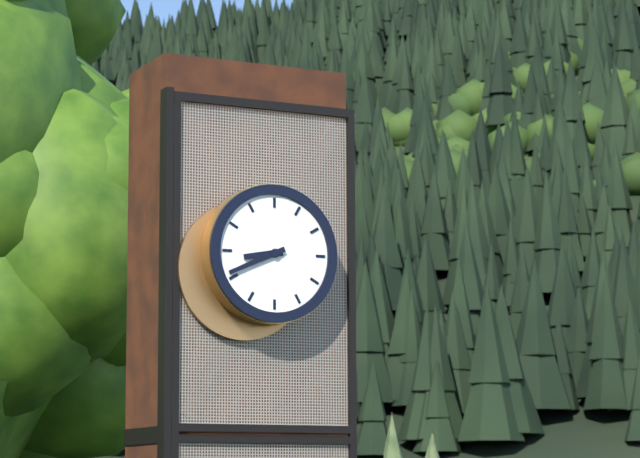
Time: {"hour": 8, "minute": 41}
